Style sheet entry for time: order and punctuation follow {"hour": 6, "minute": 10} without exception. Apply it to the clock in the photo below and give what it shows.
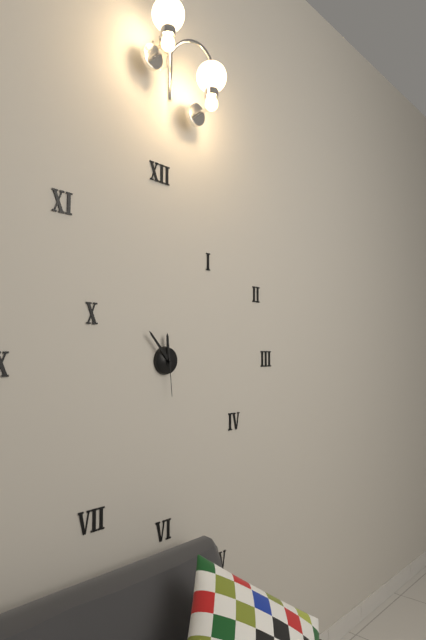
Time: {"hour": 11, "minute": 53}
